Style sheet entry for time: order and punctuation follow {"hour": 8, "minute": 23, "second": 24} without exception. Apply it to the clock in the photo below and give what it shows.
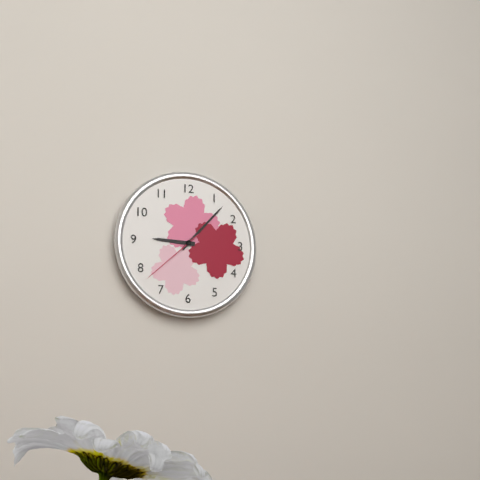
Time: {"hour": 9, "minute": 7, "second": 38}
